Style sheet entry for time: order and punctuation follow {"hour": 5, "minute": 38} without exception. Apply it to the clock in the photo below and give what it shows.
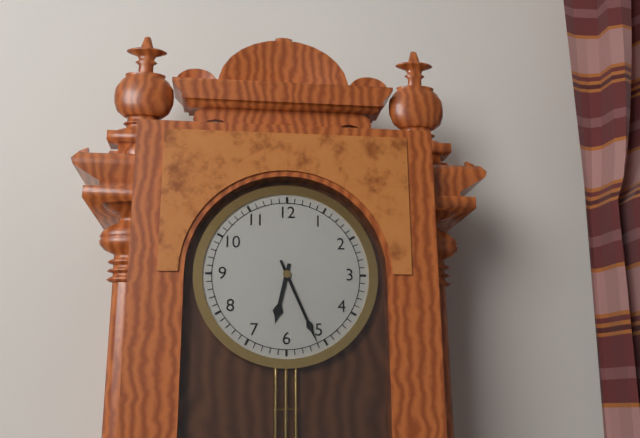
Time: {"hour": 6, "minute": 26}
